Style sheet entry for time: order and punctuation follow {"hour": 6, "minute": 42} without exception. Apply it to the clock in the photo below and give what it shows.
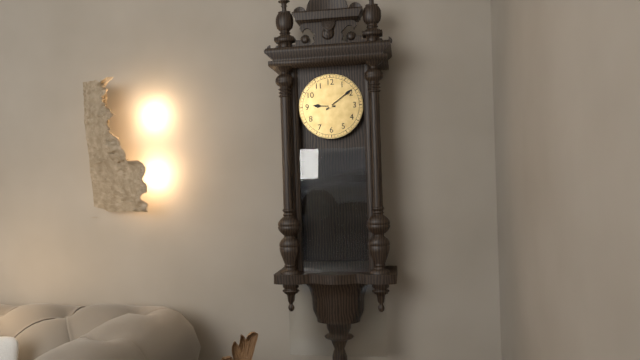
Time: {"hour": 9, "minute": 9}
